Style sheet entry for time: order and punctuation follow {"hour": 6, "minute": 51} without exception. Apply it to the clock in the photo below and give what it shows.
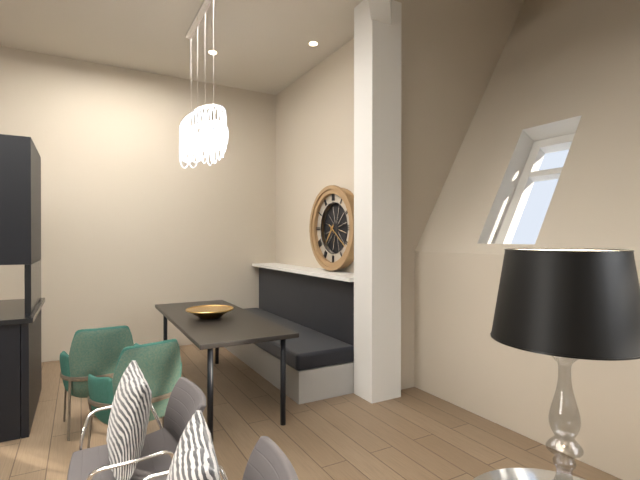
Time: {"hour": 7, "minute": 21}
